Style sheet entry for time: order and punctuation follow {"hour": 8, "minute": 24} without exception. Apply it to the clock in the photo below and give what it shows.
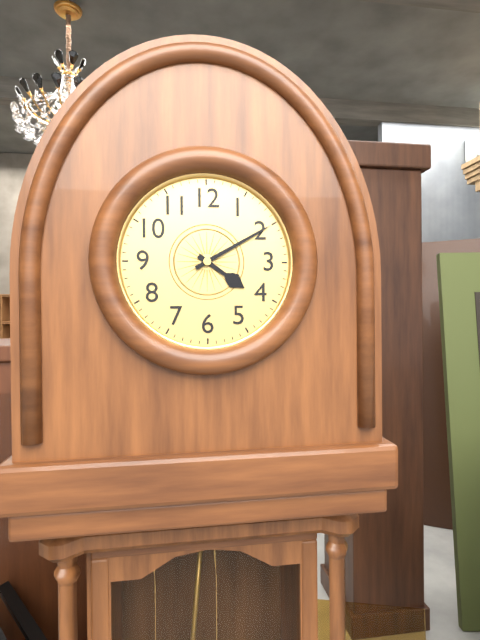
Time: {"hour": 4, "minute": 10}
